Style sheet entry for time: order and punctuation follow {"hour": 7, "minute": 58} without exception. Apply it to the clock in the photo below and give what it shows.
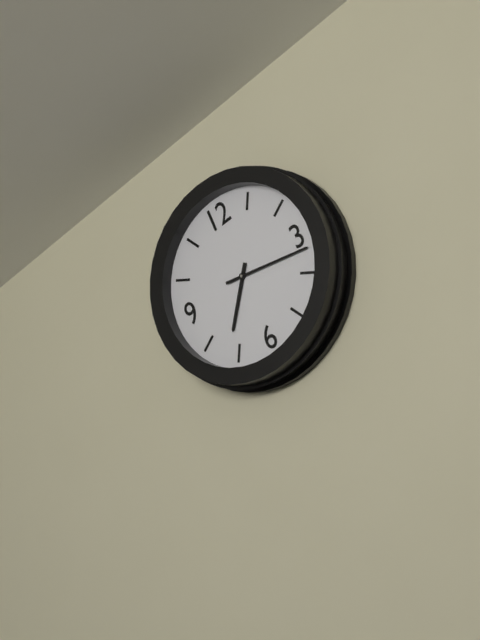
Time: {"hour": 7, "minute": 17}
